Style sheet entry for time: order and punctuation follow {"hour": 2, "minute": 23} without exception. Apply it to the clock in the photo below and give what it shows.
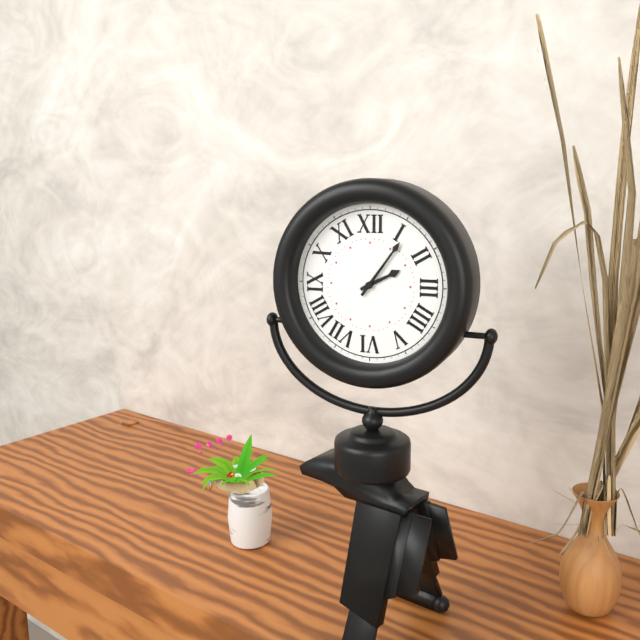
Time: {"hour": 2, "minute": 6}
